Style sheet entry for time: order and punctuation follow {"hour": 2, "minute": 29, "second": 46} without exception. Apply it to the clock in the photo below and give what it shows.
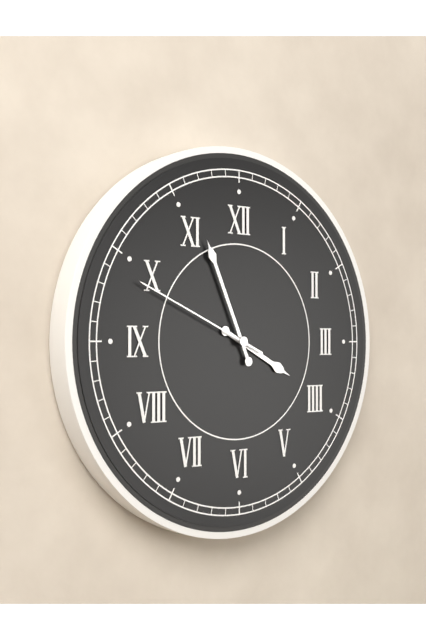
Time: {"hour": 3, "minute": 56, "second": 49}
